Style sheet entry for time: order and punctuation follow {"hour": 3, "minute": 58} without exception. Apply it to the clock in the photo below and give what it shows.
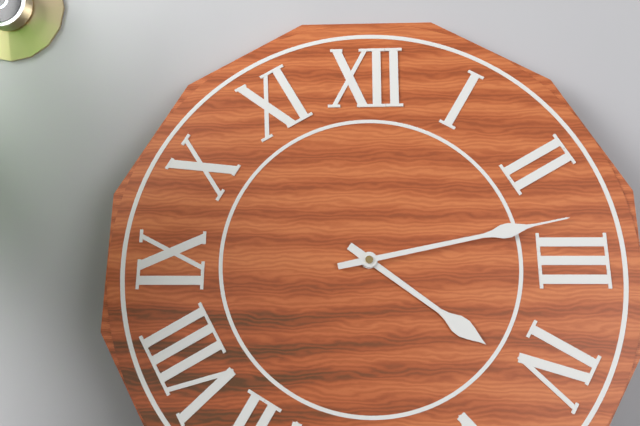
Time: {"hour": 4, "minute": 13}
